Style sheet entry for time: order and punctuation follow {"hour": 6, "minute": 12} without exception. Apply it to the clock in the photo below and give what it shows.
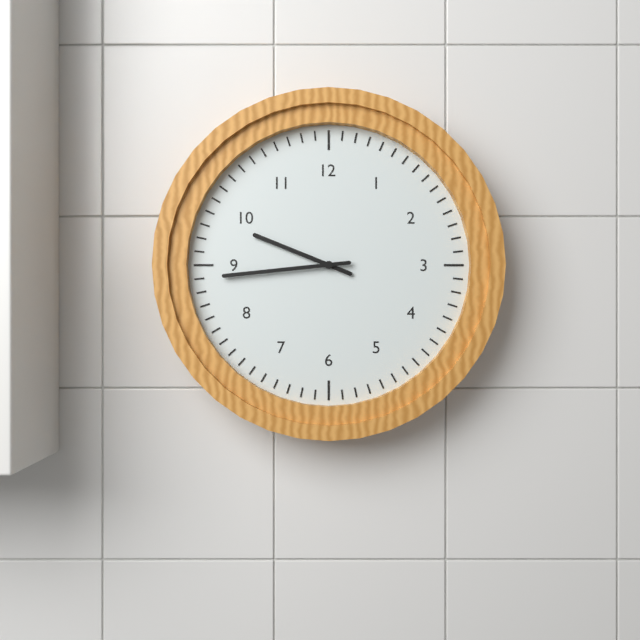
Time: {"hour": 9, "minute": 44}
